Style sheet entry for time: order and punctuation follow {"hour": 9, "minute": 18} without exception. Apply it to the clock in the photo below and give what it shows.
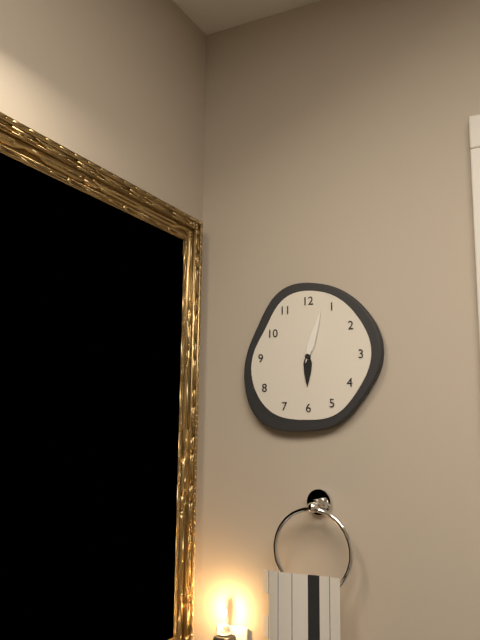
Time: {"hour": 6, "minute": 3}
